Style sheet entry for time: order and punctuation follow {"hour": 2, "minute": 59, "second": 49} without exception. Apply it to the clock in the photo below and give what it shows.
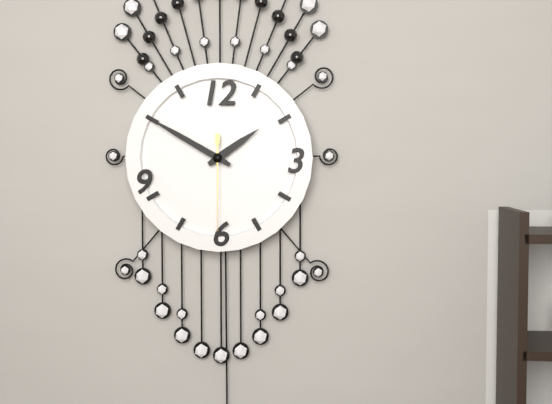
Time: {"hour": 1, "minute": 50, "second": 30}
